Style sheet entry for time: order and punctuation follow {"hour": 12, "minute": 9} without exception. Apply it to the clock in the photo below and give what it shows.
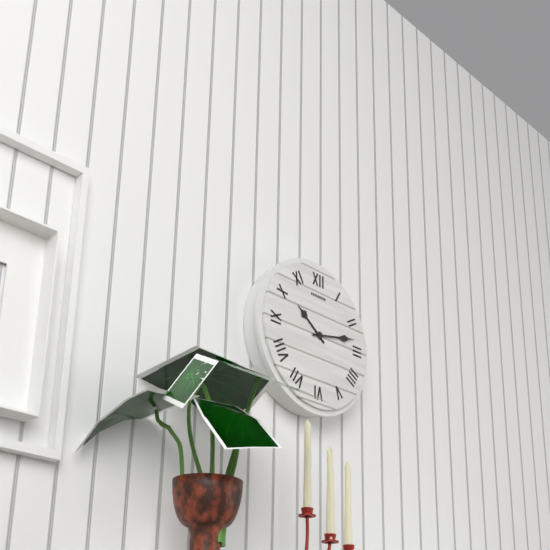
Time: {"hour": 10, "minute": 13}
